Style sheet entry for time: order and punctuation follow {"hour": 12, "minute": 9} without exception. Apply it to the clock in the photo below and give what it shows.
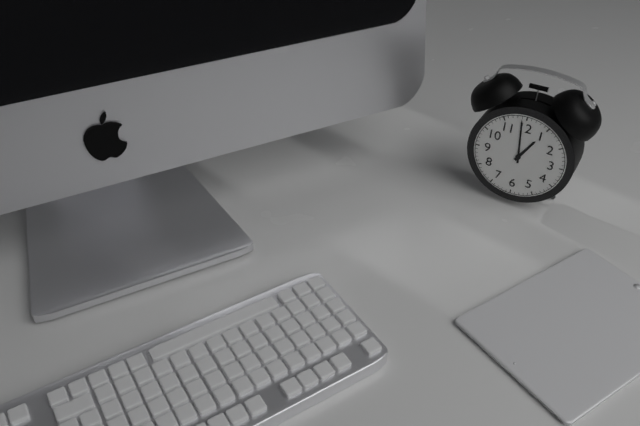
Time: {"hour": 12, "minute": 59}
